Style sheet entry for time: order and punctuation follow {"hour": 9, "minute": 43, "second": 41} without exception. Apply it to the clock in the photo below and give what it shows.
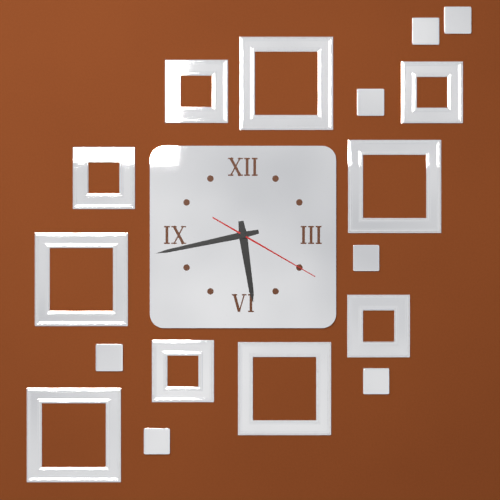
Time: {"hour": 5, "minute": 43, "second": 20}
